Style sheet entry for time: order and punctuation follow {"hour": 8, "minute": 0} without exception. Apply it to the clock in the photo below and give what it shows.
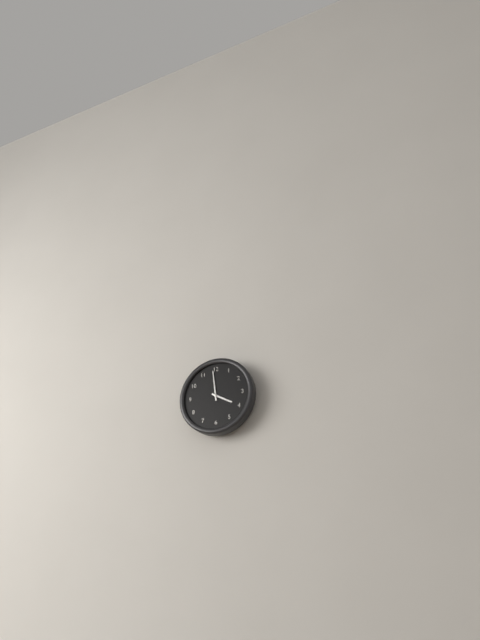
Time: {"hour": 3, "minute": 59}
